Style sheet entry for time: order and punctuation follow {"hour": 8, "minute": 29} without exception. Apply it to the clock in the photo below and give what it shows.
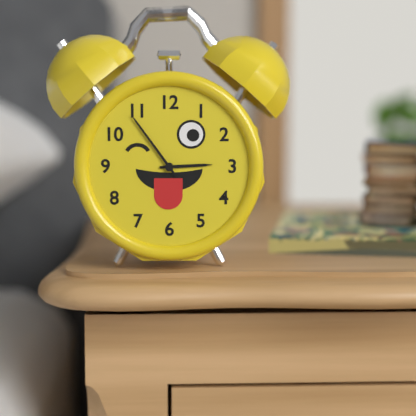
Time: {"hour": 2, "minute": 54}
